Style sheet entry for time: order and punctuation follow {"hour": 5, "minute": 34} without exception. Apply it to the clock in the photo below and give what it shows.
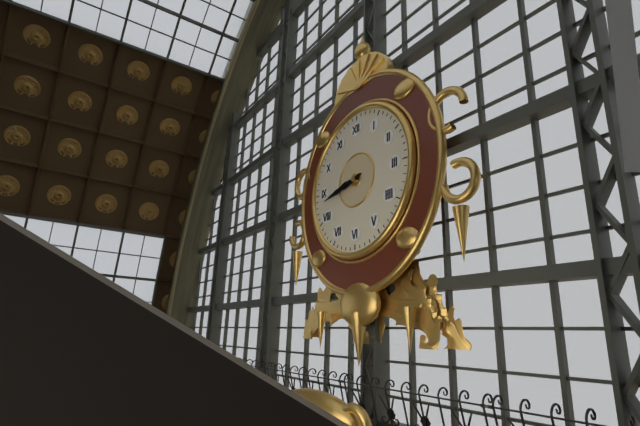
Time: {"hour": 8, "minute": 43}
